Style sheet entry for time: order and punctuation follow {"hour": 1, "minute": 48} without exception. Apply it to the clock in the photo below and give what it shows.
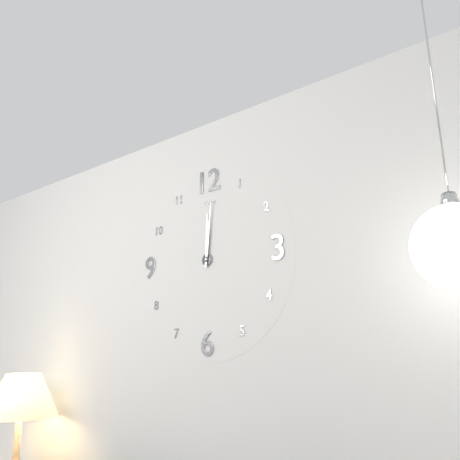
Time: {"hour": 12, "minute": 1}
